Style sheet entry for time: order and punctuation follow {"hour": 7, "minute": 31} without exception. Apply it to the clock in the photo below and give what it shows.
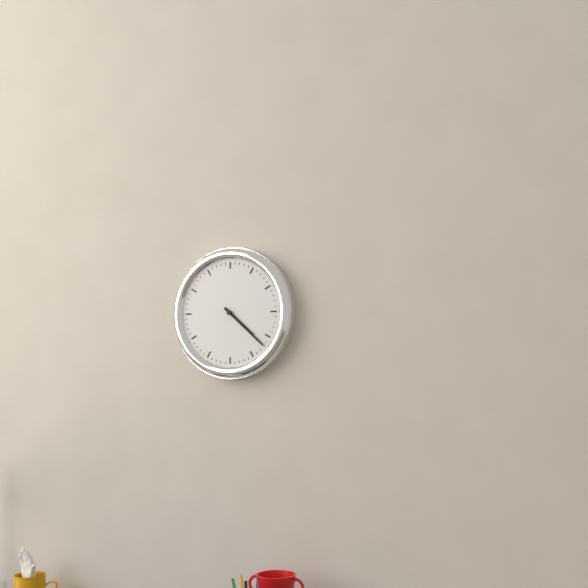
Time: {"hour": 4, "minute": 22}
